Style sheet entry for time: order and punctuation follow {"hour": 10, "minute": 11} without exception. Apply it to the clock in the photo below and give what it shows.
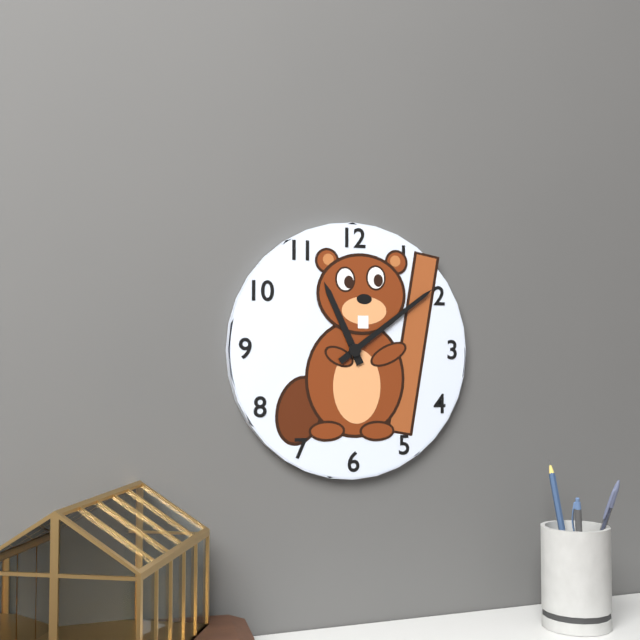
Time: {"hour": 11, "minute": 9}
